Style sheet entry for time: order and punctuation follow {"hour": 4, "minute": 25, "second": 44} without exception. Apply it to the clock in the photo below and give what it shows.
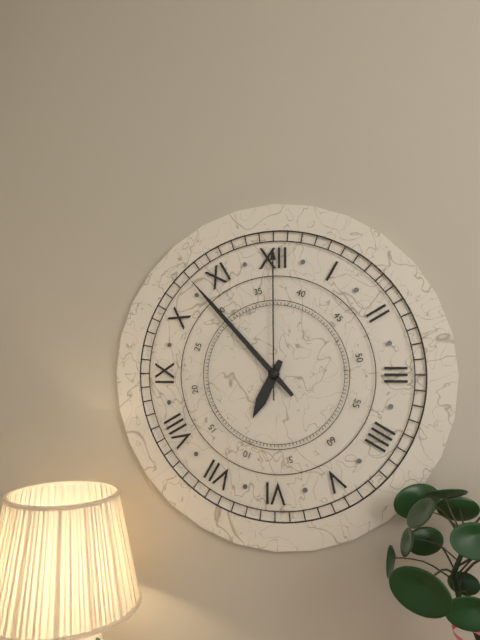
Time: {"hour": 6, "minute": 53, "second": 0}
